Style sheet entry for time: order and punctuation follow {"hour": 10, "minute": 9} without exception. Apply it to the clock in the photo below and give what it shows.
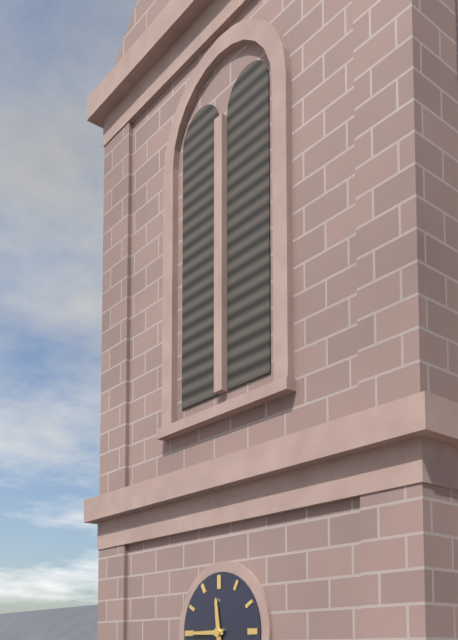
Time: {"hour": 11, "minute": 45}
